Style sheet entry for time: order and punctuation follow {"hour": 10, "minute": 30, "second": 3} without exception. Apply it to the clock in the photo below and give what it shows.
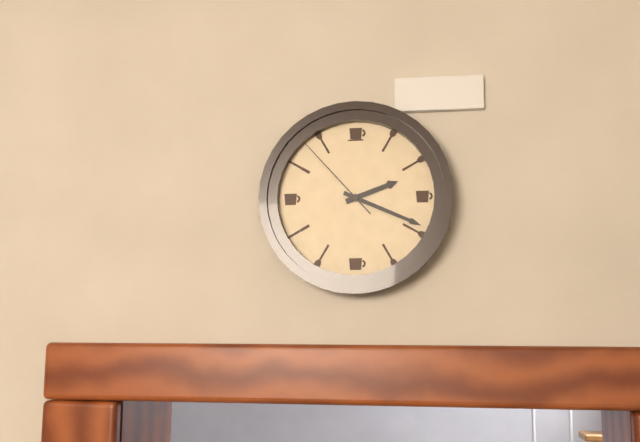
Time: {"hour": 2, "minute": 19, "second": 53}
